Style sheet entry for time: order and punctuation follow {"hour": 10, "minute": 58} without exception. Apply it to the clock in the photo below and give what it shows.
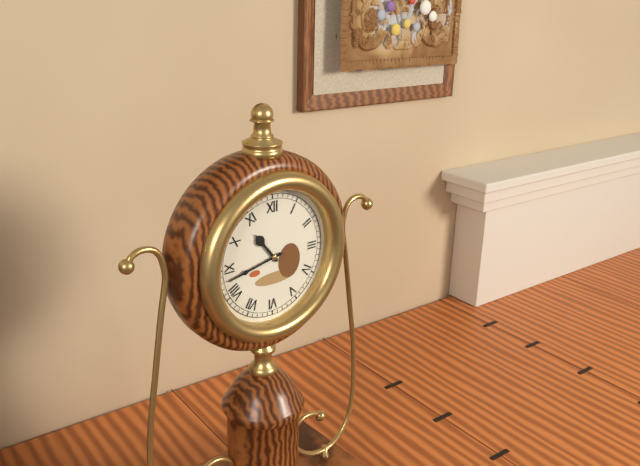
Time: {"hour": 10, "minute": 43}
